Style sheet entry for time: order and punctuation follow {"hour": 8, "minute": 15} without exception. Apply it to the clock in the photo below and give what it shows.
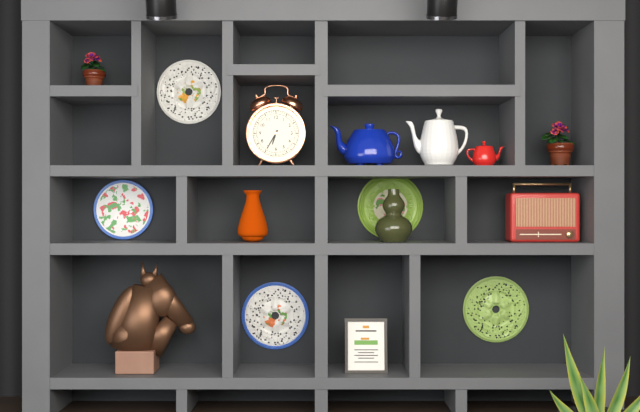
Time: {"hour": 6, "minute": 35}
